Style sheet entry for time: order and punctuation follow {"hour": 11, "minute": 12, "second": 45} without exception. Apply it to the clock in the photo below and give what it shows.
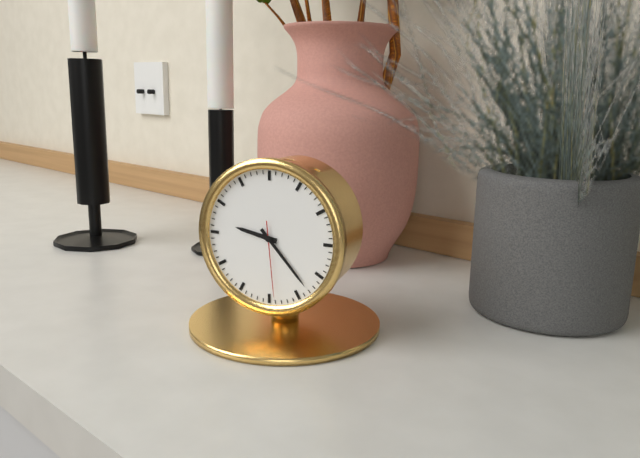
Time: {"hour": 9, "minute": 23, "second": 29}
